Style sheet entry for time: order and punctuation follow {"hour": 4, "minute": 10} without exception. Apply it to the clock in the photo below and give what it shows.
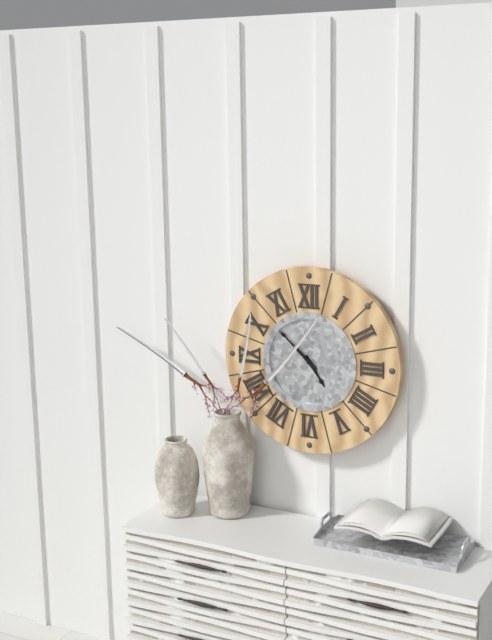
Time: {"hour": 4, "minute": 52}
